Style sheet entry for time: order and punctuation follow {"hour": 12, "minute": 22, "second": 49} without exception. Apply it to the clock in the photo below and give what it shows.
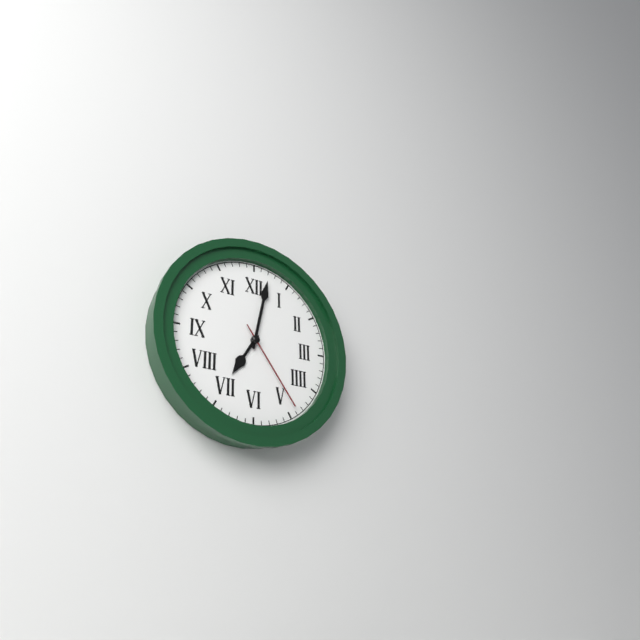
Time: {"hour": 7, "minute": 2, "second": 24}
